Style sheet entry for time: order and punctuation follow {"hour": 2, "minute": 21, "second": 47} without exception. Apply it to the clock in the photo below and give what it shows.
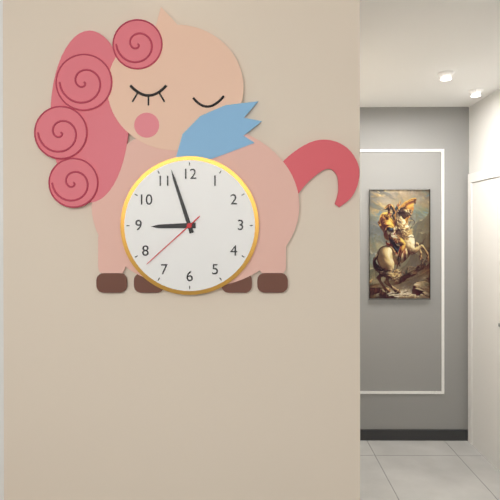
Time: {"hour": 8, "minute": 57, "second": 38}
